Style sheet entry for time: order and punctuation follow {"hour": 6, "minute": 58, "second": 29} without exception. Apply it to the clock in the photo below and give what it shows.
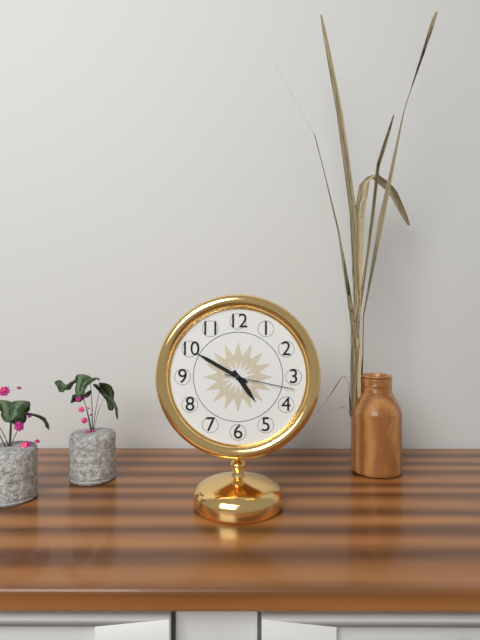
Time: {"hour": 4, "minute": 50, "second": 17}
